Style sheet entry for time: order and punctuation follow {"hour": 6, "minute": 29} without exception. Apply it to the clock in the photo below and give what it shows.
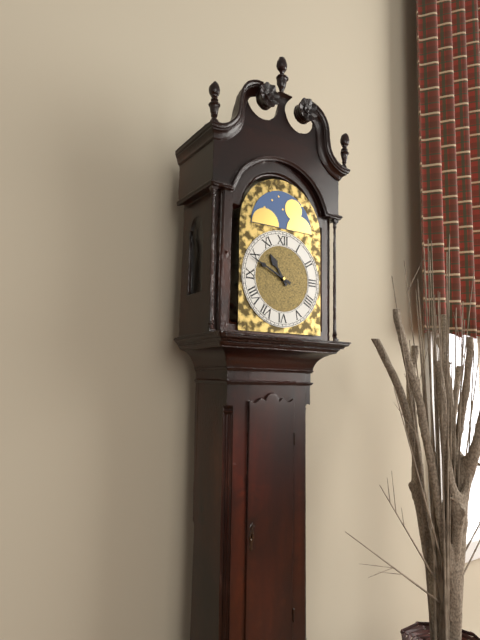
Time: {"hour": 10, "minute": 49}
